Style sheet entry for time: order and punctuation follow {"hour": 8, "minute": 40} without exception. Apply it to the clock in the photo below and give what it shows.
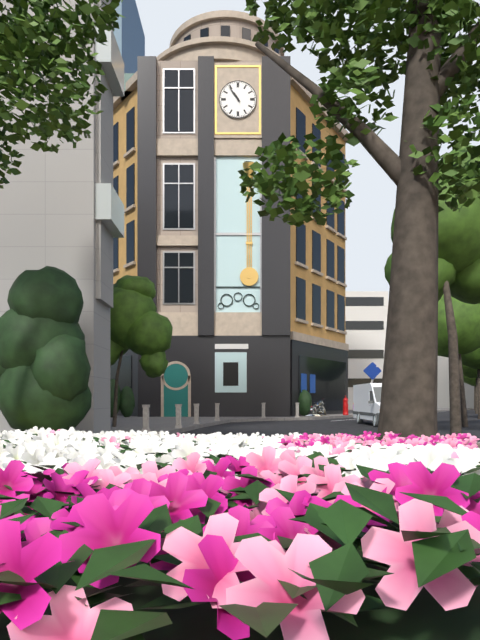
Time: {"hour": 10, "minute": 54}
